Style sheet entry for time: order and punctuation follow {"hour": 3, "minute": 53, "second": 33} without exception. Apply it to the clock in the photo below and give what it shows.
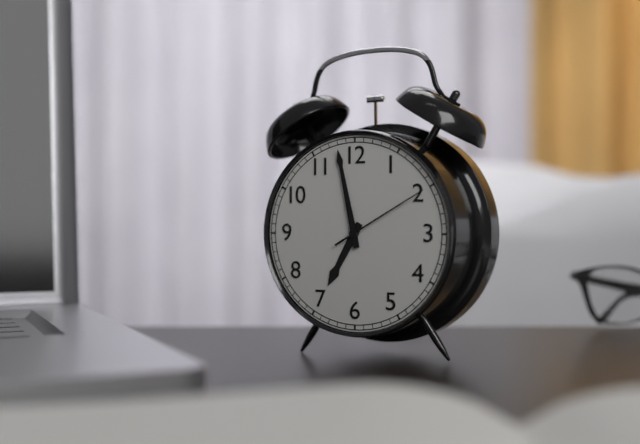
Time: {"hour": 6, "minute": 58, "second": 10}
